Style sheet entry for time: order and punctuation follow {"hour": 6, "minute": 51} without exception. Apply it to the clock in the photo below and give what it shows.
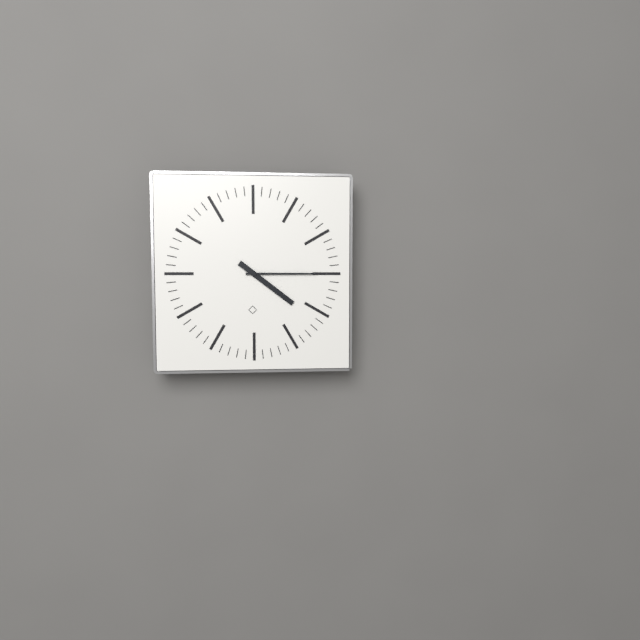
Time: {"hour": 4, "minute": 15}
